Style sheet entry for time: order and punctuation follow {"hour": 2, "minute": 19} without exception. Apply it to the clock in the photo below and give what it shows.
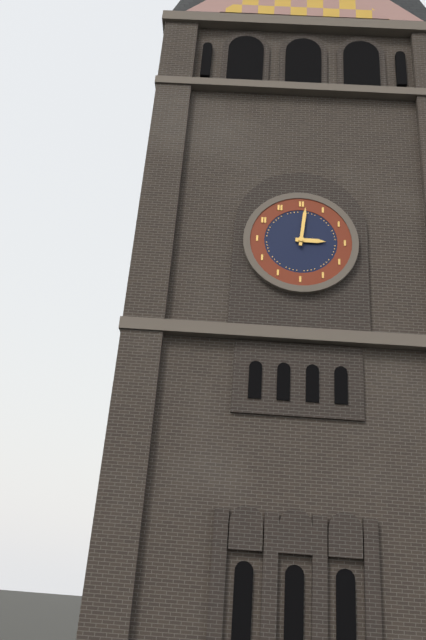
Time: {"hour": 3, "minute": 1}
